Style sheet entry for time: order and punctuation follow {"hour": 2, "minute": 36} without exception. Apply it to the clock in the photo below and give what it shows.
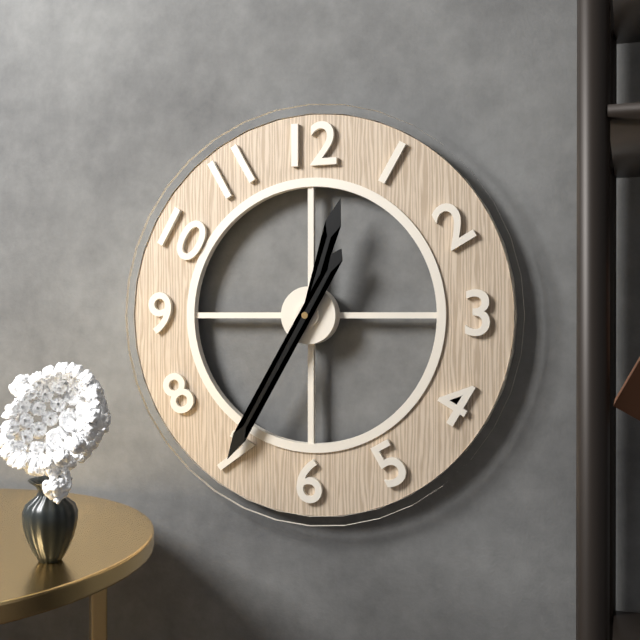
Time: {"hour": 12, "minute": 35}
